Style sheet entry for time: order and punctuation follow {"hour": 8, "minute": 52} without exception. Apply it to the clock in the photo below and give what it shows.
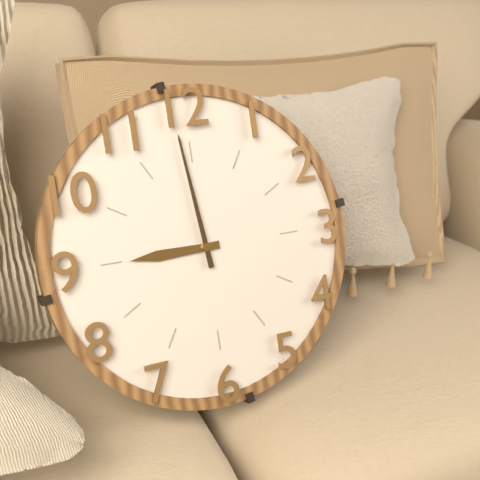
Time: {"hour": 8, "minute": 59}
